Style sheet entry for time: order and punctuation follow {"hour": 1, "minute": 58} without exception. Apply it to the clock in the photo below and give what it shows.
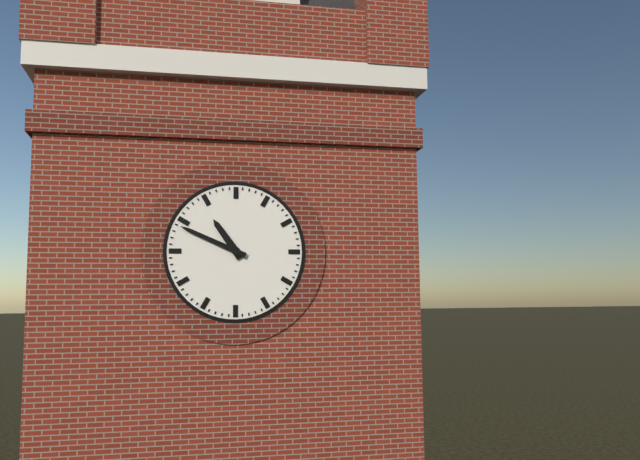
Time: {"hour": 10, "minute": 49}
